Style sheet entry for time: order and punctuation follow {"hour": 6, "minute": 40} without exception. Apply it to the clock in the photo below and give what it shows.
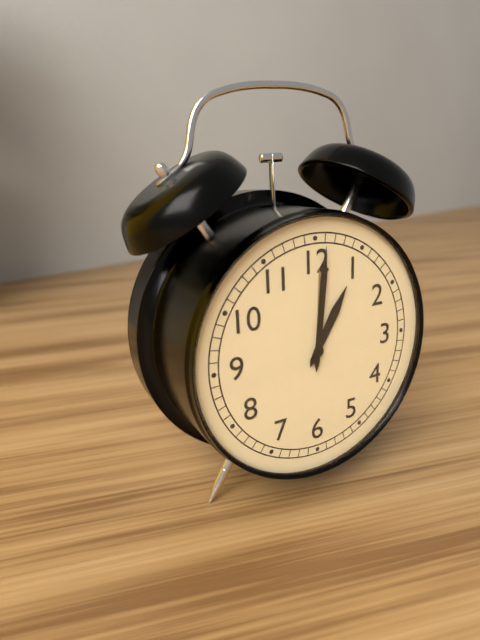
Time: {"hour": 1, "minute": 1}
